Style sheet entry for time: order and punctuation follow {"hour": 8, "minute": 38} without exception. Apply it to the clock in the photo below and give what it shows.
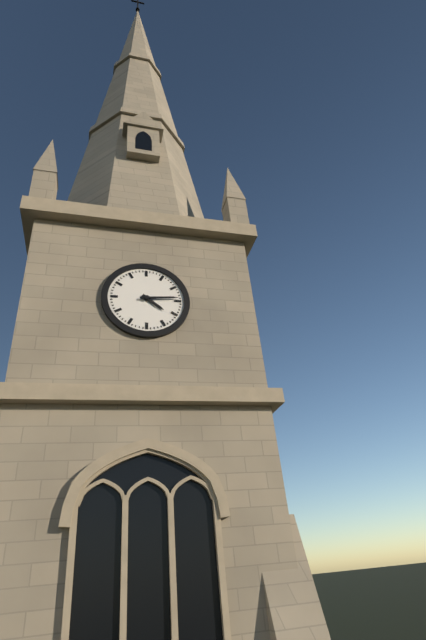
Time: {"hour": 4, "minute": 14}
